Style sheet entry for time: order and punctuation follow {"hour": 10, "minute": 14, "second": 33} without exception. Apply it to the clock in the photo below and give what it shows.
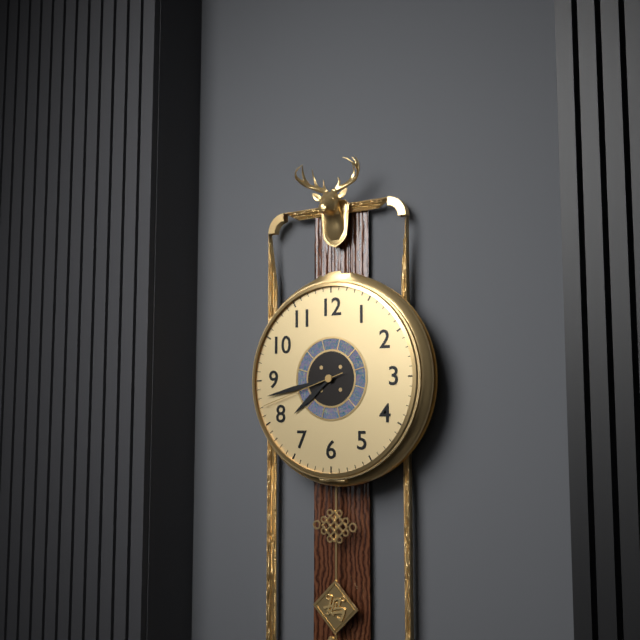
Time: {"hour": 7, "minute": 43, "second": 42}
